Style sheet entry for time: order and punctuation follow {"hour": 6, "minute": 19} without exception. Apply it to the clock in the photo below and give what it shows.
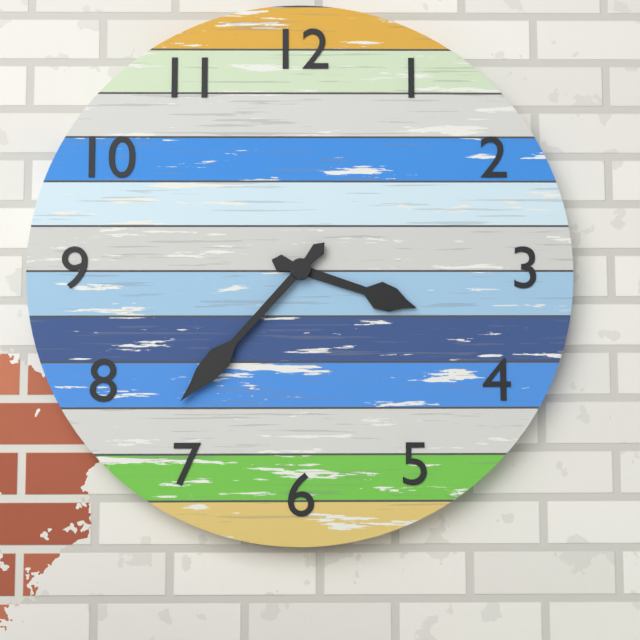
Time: {"hour": 3, "minute": 37}
